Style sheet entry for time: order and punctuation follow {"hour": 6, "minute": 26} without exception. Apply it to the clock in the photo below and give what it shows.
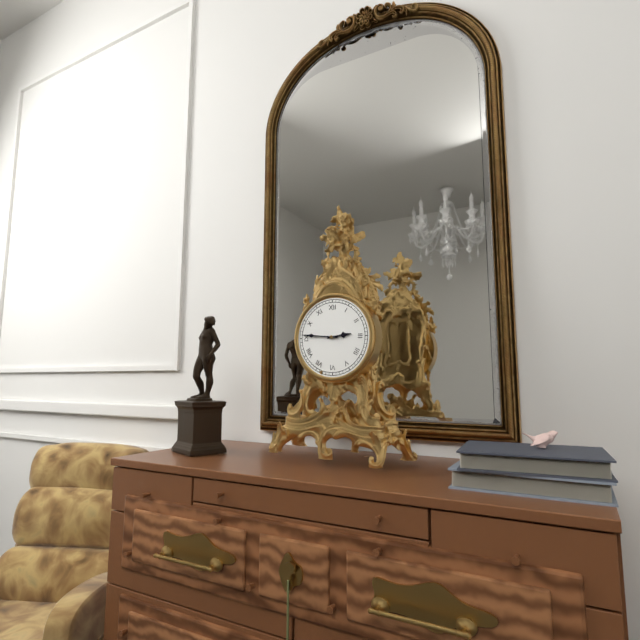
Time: {"hour": 2, "minute": 46}
